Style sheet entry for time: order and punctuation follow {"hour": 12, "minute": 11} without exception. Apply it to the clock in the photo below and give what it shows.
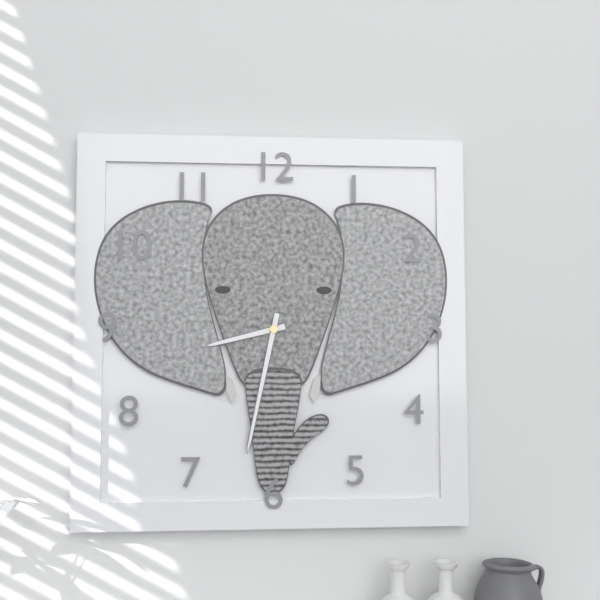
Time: {"hour": 8, "minute": 32}
